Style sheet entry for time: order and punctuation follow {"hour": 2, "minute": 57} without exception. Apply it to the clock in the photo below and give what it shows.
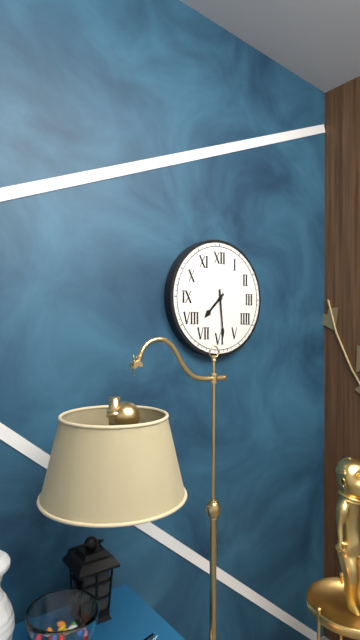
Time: {"hour": 7, "minute": 29}
